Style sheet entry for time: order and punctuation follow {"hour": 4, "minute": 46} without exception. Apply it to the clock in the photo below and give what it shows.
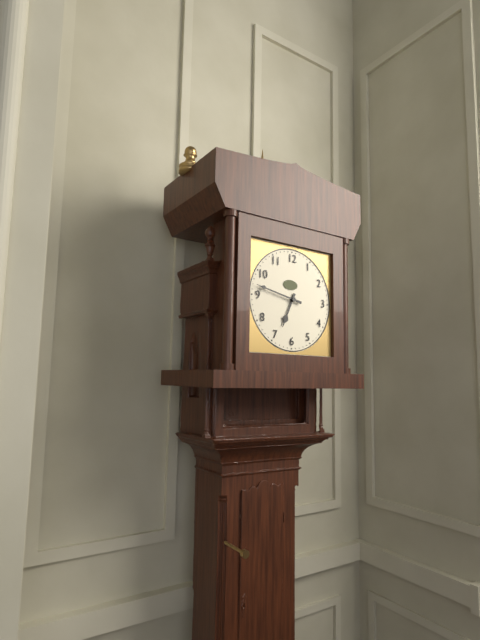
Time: {"hour": 6, "minute": 47}
